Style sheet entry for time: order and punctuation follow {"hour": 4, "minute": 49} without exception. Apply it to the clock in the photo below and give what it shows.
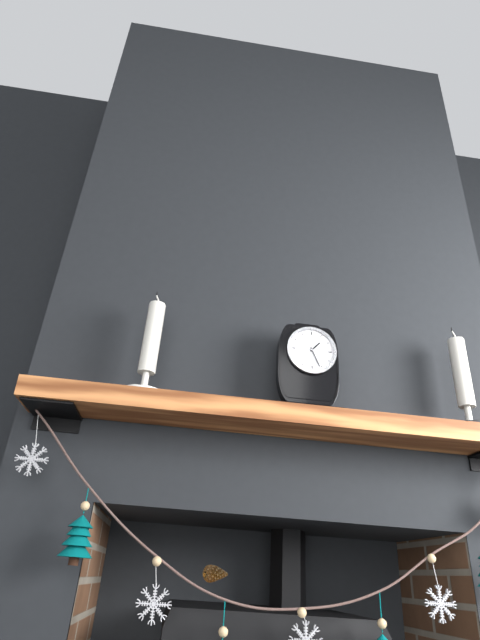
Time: {"hour": 1, "minute": 26}
